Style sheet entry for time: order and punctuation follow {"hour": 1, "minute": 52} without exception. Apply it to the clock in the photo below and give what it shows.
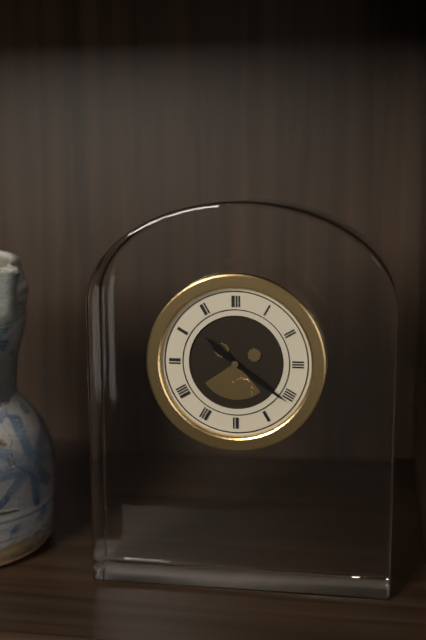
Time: {"hour": 10, "minute": 21}
